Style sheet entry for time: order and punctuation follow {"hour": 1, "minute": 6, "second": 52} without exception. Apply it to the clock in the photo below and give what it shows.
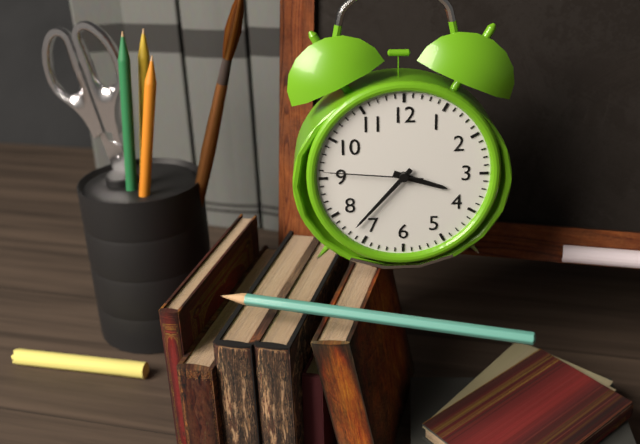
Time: {"hour": 3, "minute": 37, "second": 46}
